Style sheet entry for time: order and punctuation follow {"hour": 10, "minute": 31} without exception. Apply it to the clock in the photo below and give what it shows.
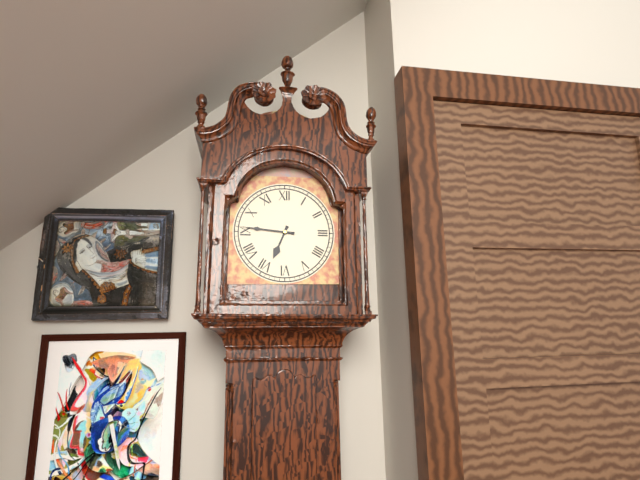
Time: {"hour": 6, "minute": 46}
